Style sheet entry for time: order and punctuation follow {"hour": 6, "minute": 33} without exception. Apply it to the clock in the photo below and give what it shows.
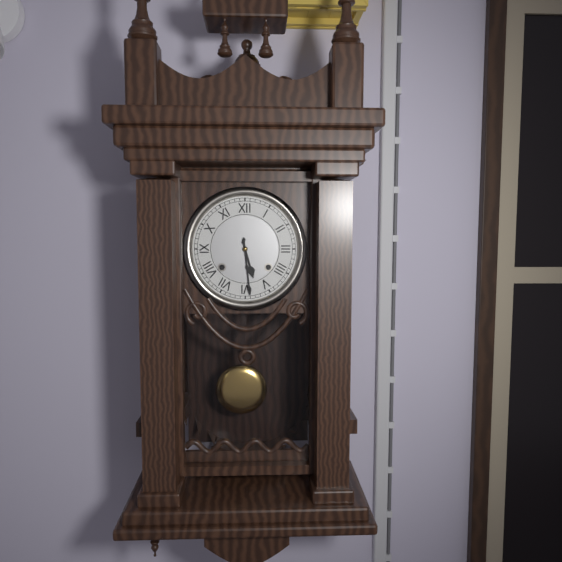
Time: {"hour": 5, "minute": 29}
